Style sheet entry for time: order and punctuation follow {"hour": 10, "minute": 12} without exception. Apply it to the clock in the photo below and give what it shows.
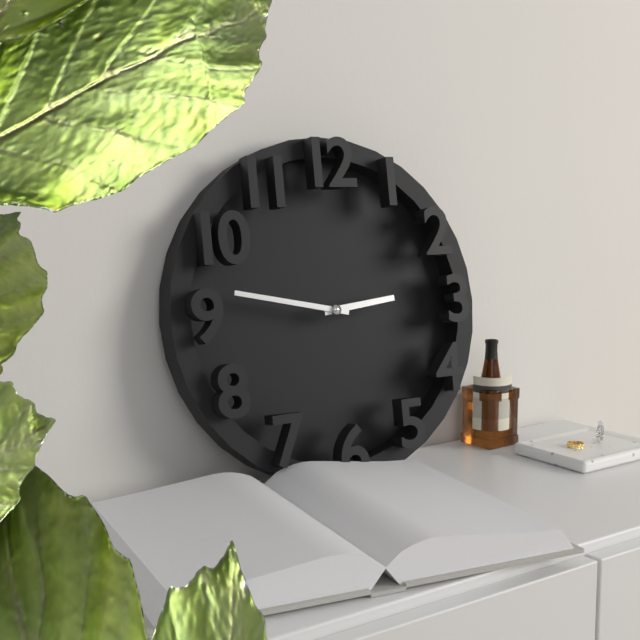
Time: {"hour": 2, "minute": 47}
